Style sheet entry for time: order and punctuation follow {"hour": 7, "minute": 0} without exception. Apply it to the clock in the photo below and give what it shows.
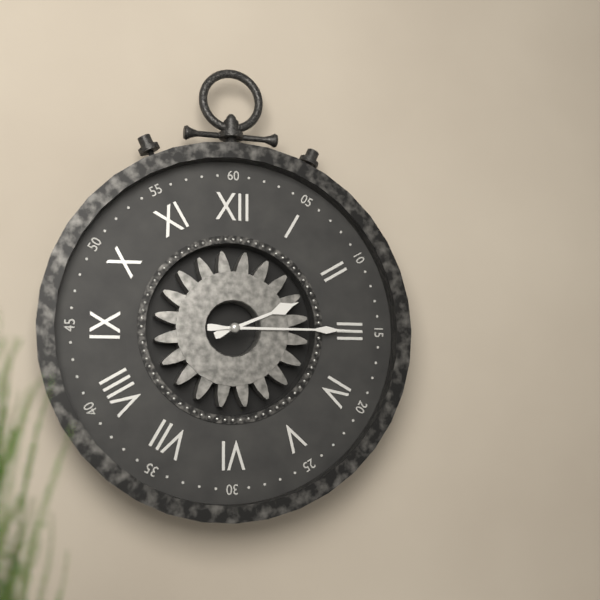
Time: {"hour": 2, "minute": 15}
